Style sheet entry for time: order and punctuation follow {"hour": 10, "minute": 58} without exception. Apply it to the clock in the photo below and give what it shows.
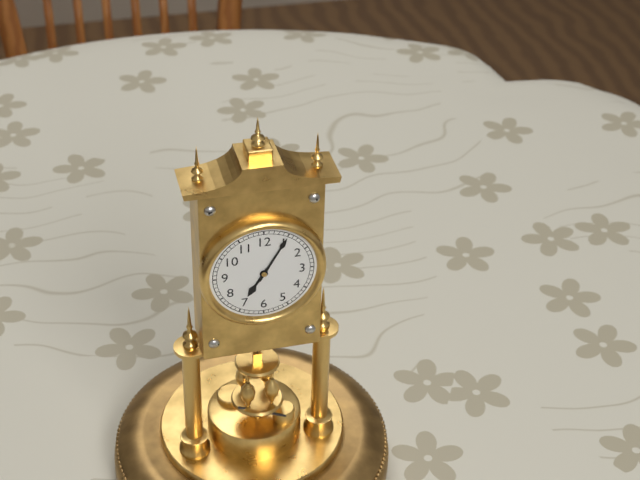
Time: {"hour": 7, "minute": 5}
